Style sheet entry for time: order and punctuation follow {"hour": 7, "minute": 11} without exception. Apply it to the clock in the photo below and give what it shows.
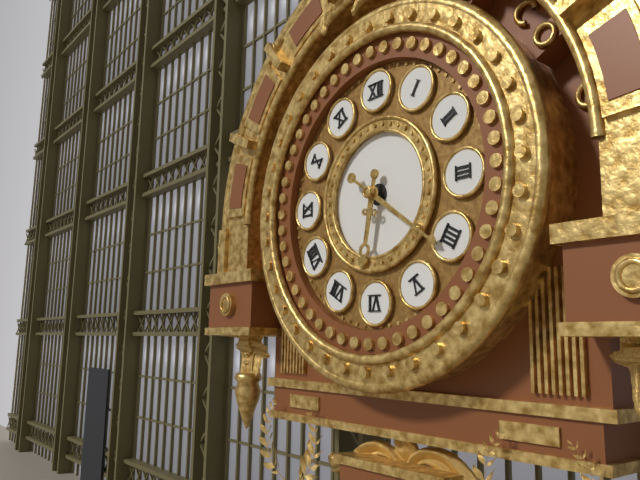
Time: {"hour": 6, "minute": 21}
